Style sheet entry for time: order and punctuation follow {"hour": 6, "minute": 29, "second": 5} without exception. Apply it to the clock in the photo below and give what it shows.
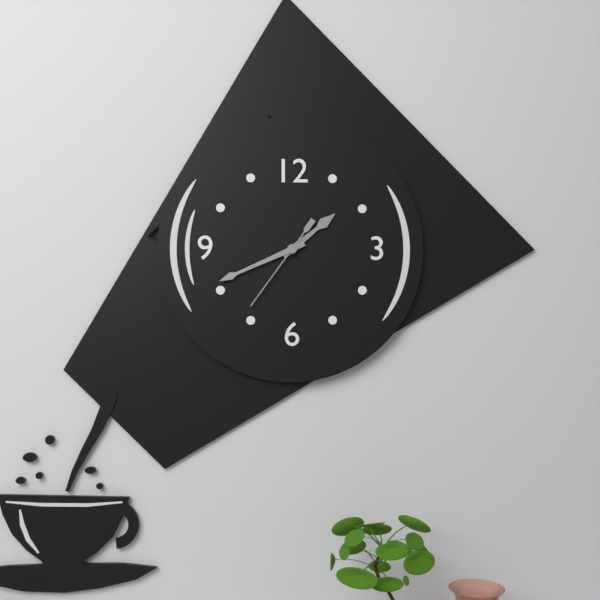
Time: {"hour": 1, "minute": 41, "second": 36}
